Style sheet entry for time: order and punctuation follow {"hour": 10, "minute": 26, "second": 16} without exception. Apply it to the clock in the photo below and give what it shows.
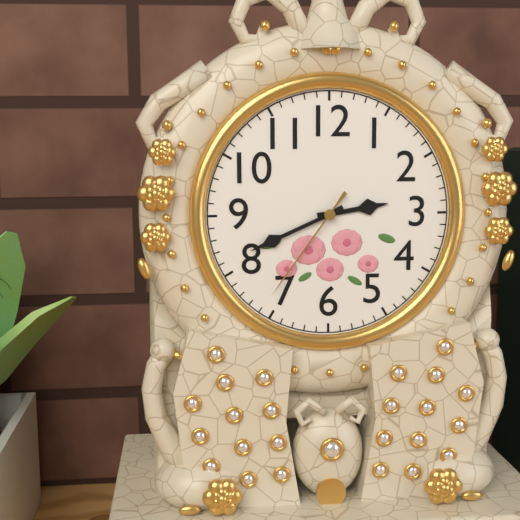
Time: {"hour": 2, "minute": 41, "second": 36}
